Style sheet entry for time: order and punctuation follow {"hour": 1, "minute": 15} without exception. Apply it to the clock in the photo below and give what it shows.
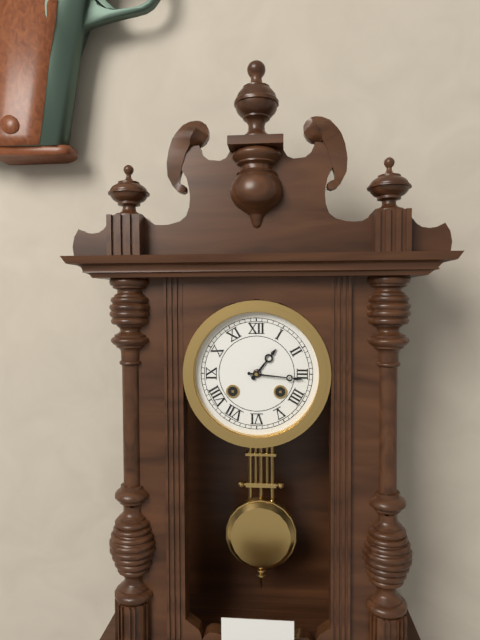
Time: {"hour": 1, "minute": 16}
